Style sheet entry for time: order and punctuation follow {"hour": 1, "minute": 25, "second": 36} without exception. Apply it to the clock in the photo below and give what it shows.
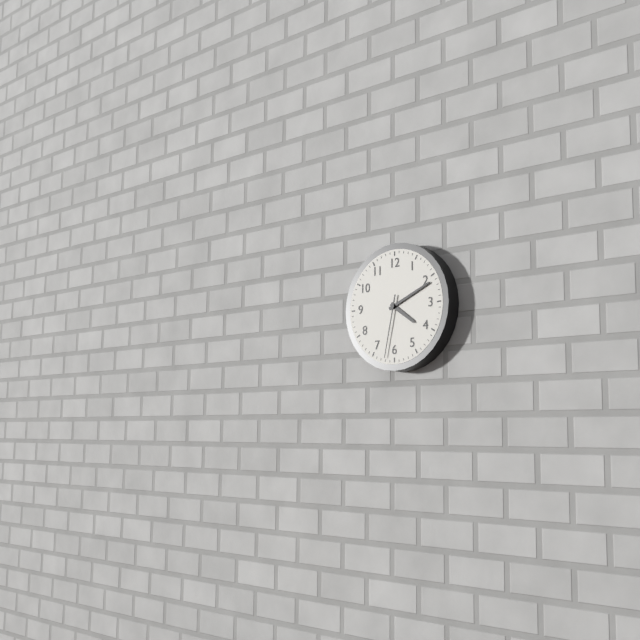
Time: {"hour": 4, "minute": 11, "second": 32}
